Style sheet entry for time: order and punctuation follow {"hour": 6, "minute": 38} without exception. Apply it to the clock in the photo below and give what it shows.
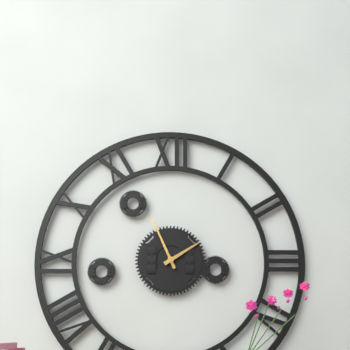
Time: {"hour": 1, "minute": 56}
